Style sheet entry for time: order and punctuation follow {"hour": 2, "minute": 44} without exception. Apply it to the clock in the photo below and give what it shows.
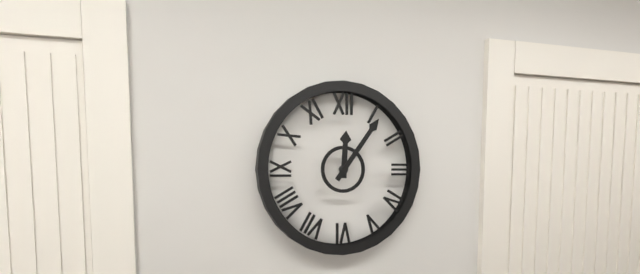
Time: {"hour": 12, "minute": 6}
